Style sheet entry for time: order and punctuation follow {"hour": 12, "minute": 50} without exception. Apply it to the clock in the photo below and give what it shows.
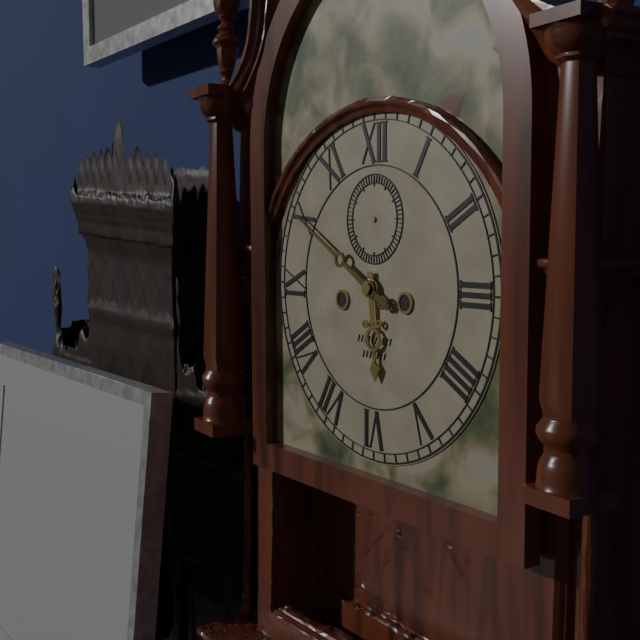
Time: {"hour": 5, "minute": 50}
